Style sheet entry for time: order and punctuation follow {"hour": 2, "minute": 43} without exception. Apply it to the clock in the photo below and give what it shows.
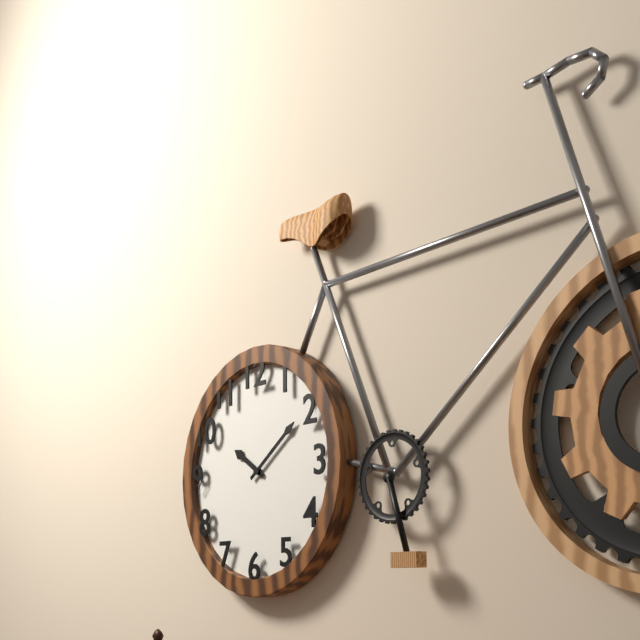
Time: {"hour": 10, "minute": 9}
